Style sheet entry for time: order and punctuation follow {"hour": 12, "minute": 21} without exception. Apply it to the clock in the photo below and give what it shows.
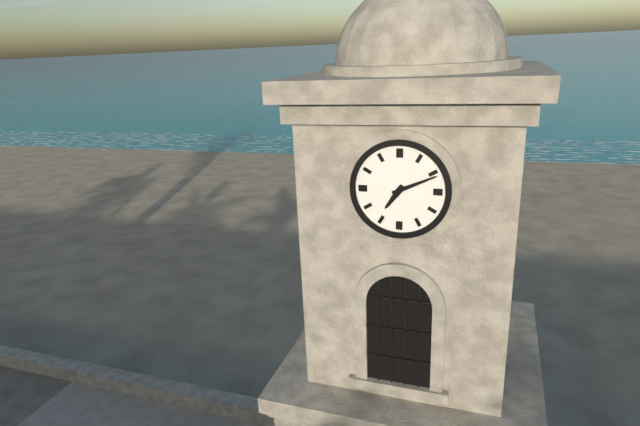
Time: {"hour": 7, "minute": 11}
